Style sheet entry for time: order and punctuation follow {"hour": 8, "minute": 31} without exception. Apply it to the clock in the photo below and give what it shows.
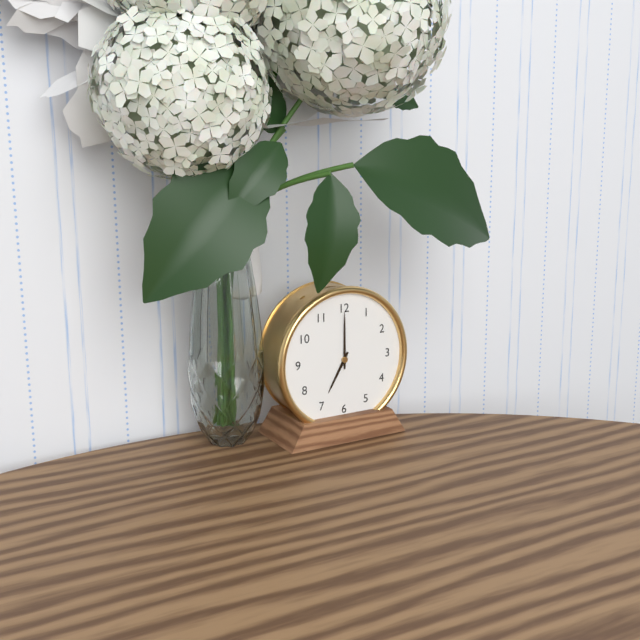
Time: {"hour": 7, "minute": 0}
